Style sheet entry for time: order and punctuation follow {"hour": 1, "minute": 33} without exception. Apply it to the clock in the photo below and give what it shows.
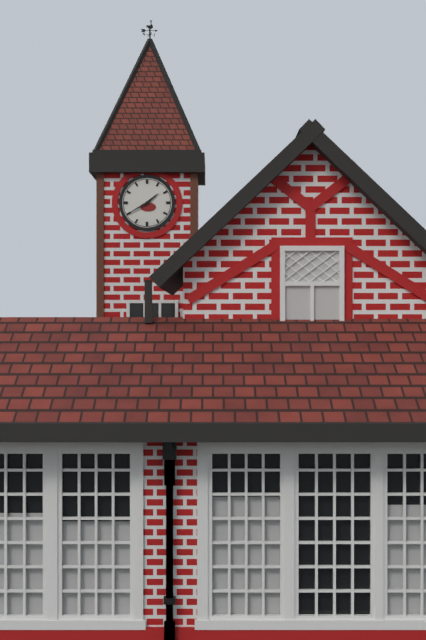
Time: {"hour": 1, "minute": 40}
